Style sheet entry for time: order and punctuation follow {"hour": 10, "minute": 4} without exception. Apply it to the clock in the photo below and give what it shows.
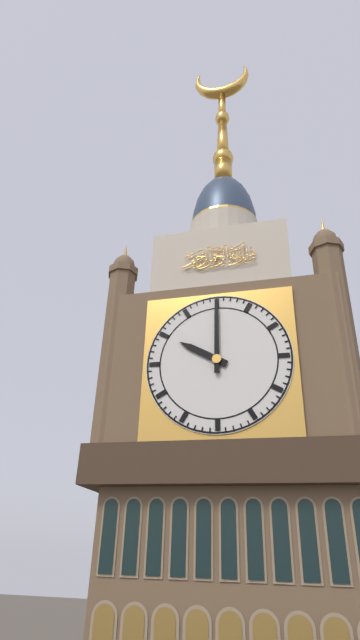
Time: {"hour": 10, "minute": 0}
